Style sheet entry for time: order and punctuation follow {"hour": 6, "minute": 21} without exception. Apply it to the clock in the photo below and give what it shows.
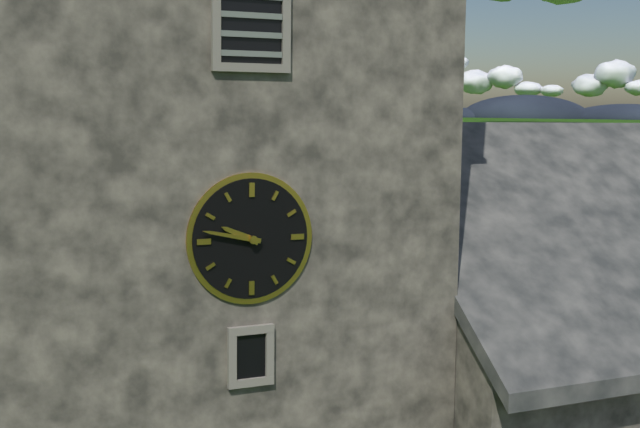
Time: {"hour": 9, "minute": 47}
